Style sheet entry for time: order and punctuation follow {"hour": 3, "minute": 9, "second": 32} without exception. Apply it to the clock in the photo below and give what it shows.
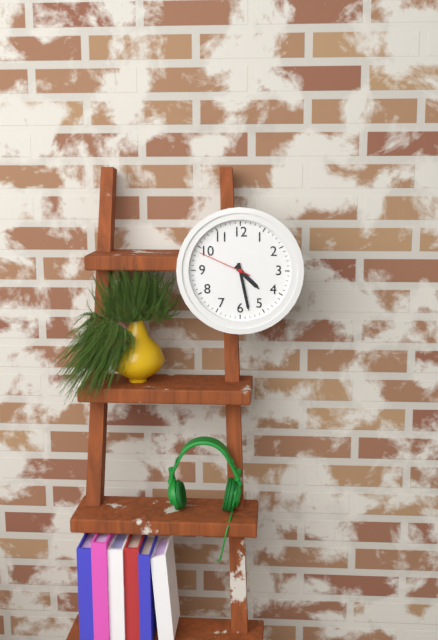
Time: {"hour": 4, "minute": 28, "second": 49}
